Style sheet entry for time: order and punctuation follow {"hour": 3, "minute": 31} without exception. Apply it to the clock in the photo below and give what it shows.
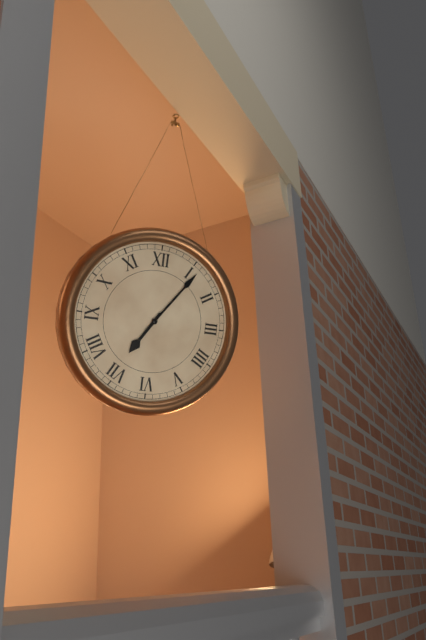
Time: {"hour": 7, "minute": 6}
